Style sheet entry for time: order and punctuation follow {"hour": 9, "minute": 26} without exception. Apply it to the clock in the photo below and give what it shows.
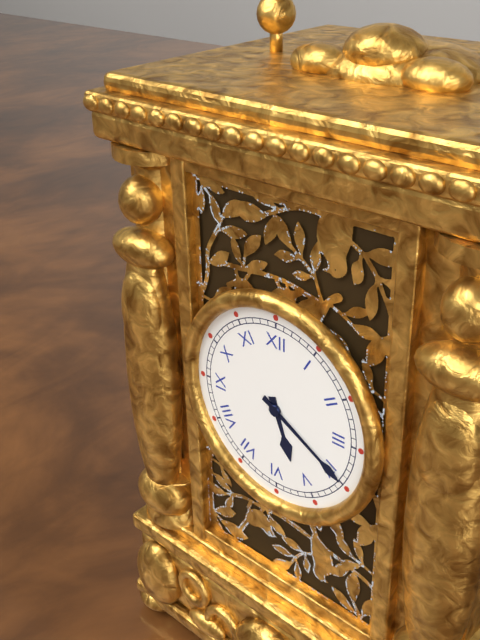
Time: {"hour": 5, "minute": 20}
